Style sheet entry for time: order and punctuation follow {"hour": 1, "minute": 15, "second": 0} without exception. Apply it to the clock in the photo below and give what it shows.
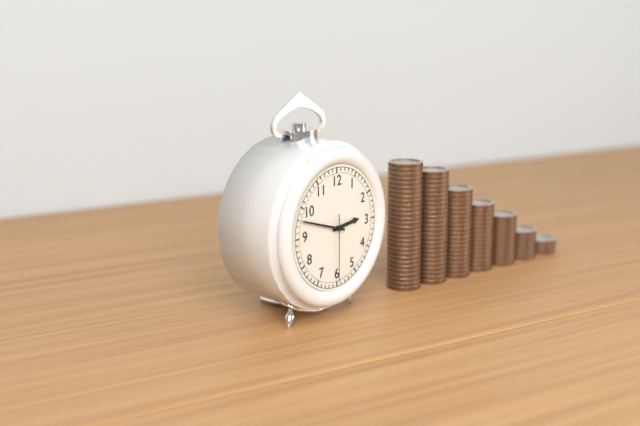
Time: {"hour": 2, "minute": 48, "second": 30}
